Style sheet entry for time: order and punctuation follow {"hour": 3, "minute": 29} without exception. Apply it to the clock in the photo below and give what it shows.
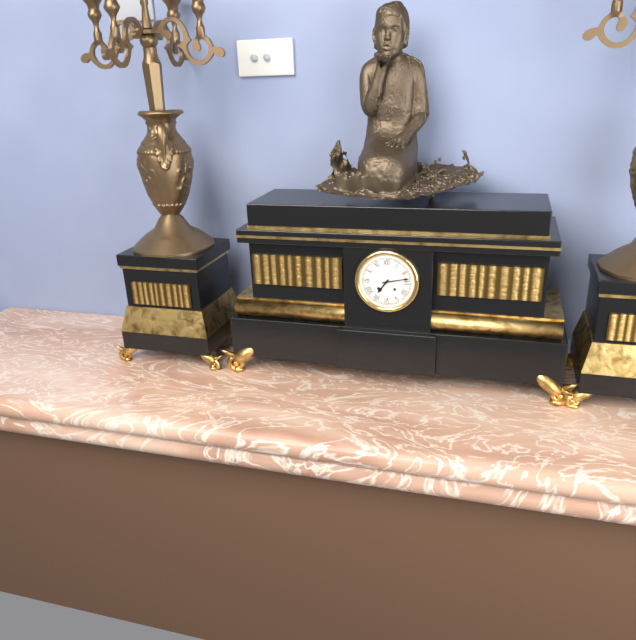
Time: {"hour": 7, "minute": 13}
